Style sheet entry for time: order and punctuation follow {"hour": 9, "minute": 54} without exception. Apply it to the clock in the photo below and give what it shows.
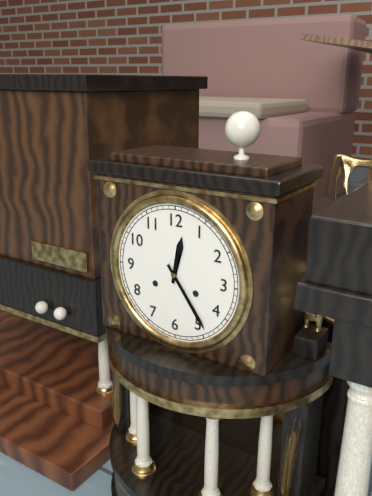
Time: {"hour": 12, "minute": 24}
